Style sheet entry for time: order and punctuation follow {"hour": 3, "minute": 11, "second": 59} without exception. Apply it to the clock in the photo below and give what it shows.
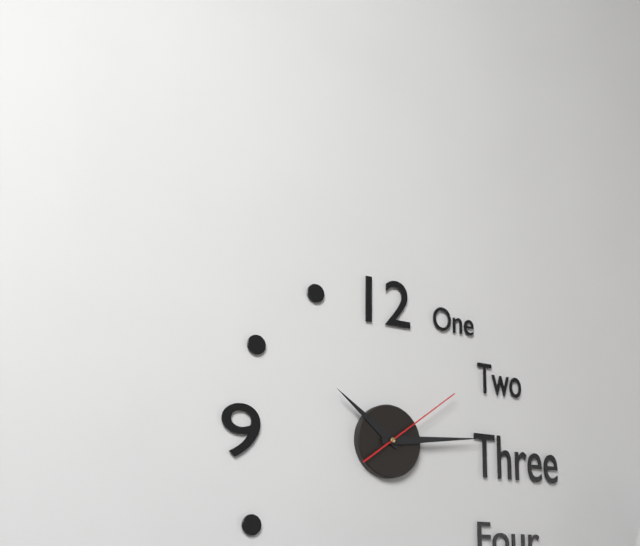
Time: {"hour": 10, "minute": 14, "second": 9}
